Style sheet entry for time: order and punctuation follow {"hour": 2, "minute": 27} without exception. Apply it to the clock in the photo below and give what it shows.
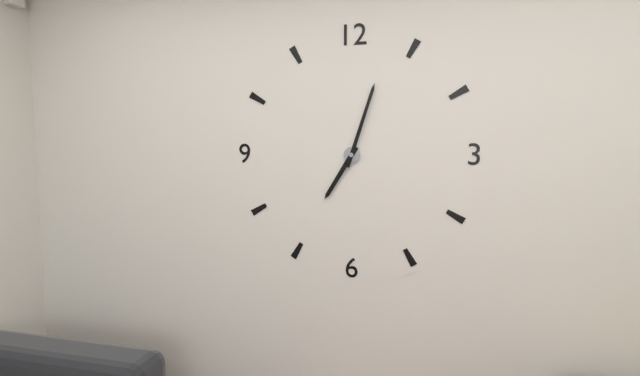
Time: {"hour": 7, "minute": 3}
